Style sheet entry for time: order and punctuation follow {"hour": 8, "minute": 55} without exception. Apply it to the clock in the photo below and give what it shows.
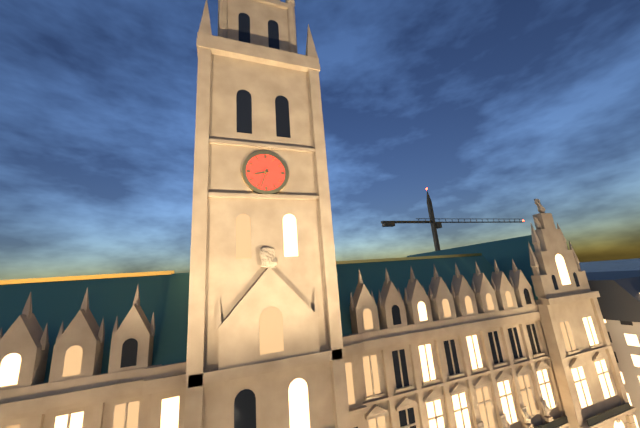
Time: {"hour": 8, "minute": 33}
